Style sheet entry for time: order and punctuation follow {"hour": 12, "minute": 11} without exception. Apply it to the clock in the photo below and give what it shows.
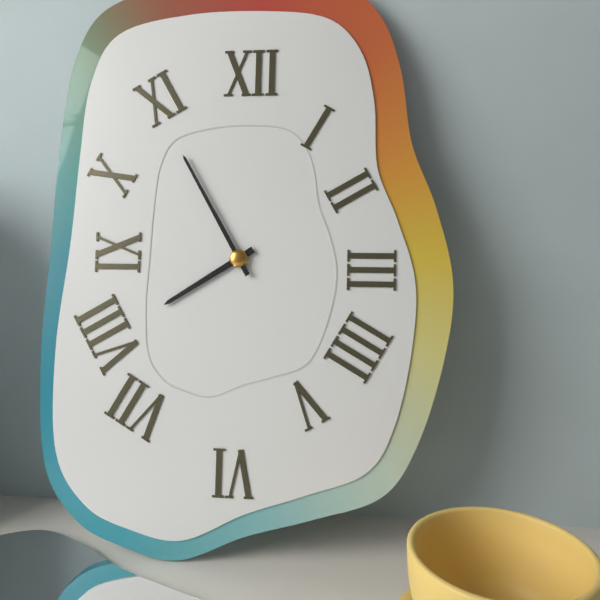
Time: {"hour": 7, "minute": 55}
